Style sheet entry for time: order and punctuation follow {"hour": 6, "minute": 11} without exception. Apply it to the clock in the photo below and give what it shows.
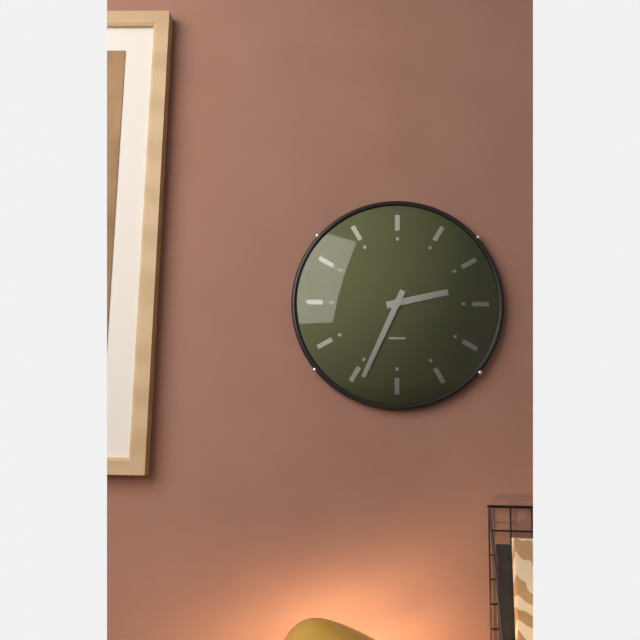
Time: {"hour": 2, "minute": 34}
